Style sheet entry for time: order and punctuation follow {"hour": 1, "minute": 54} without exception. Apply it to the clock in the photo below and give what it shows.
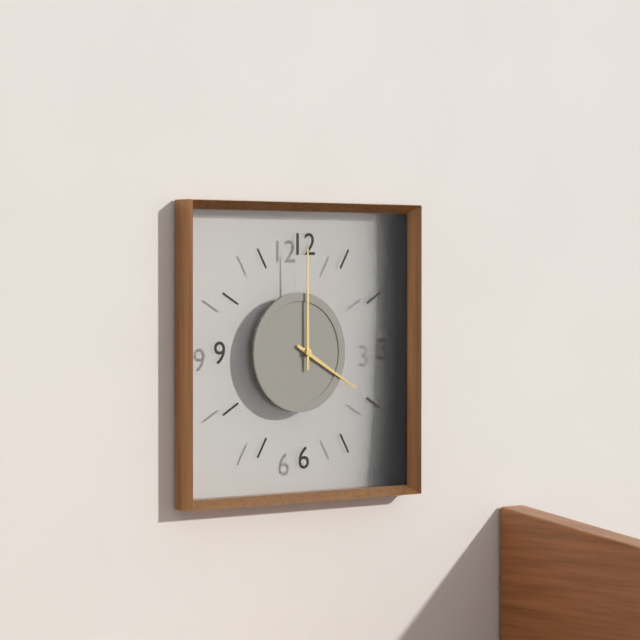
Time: {"hour": 4, "minute": 0}
